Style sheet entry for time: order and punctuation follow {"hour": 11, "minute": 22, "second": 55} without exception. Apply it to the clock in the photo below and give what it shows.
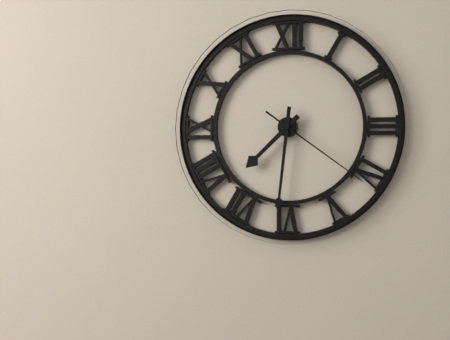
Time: {"hour": 7, "minute": 31, "second": 21}
